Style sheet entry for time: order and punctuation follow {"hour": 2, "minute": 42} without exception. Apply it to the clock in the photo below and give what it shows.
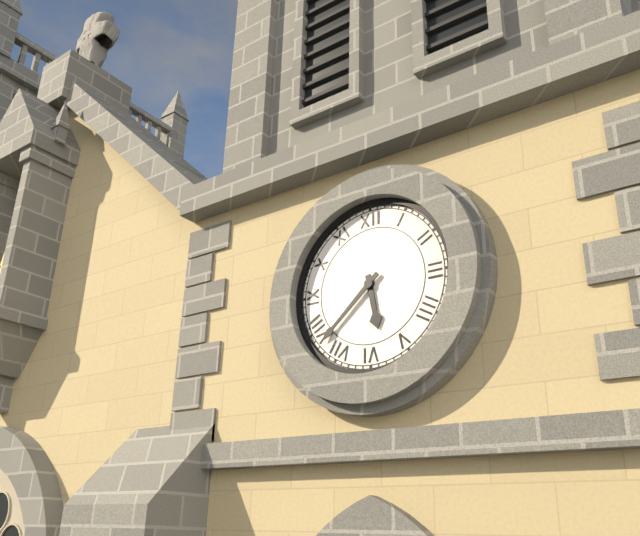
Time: {"hour": 5, "minute": 38}
